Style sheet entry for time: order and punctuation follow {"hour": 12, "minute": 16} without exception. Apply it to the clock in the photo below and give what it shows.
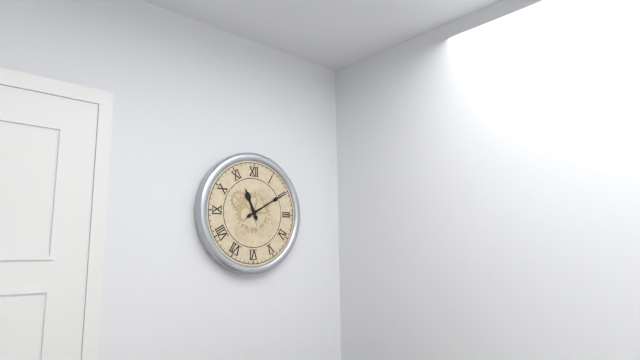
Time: {"hour": 11, "minute": 10}
